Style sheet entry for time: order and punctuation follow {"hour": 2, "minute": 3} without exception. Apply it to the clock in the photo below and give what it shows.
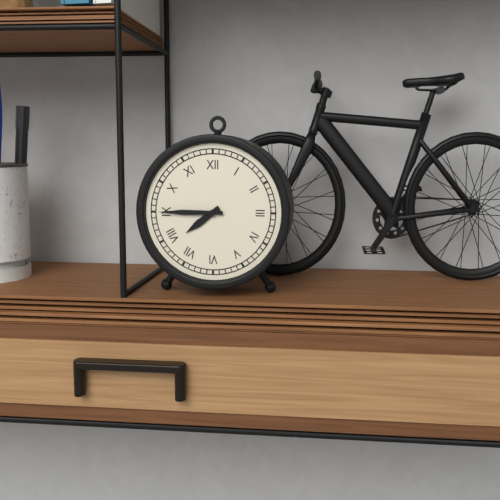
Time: {"hour": 7, "minute": 45}
